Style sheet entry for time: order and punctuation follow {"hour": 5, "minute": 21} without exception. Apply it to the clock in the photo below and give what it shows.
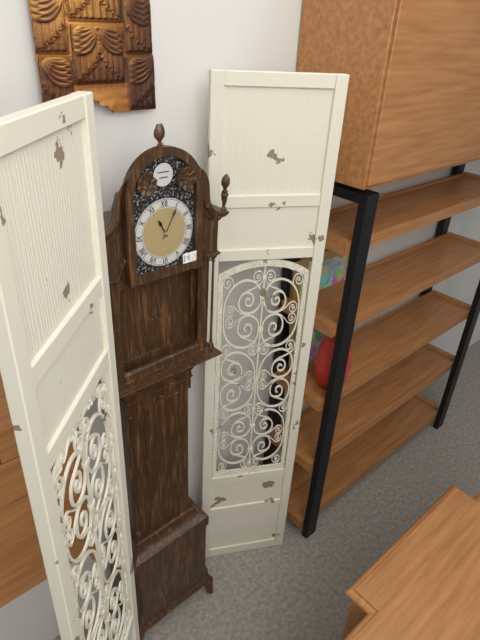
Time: {"hour": 11, "minute": 5}
